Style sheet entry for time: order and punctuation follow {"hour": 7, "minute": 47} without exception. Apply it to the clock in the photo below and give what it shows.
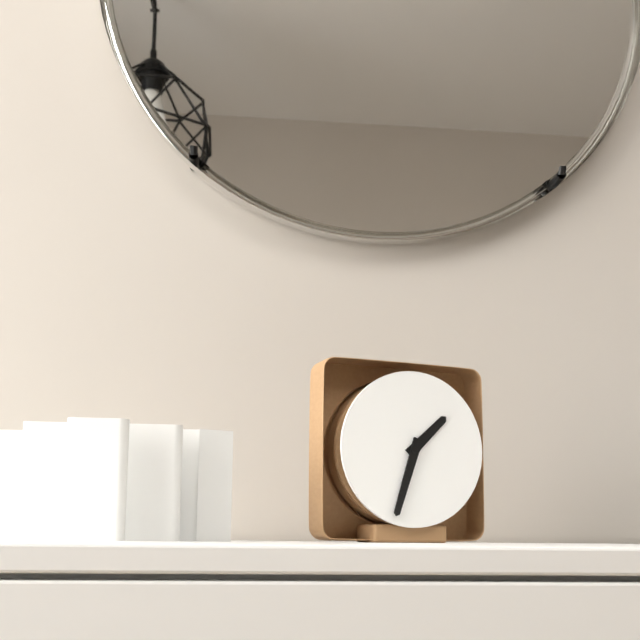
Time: {"hour": 1, "minute": 33}
